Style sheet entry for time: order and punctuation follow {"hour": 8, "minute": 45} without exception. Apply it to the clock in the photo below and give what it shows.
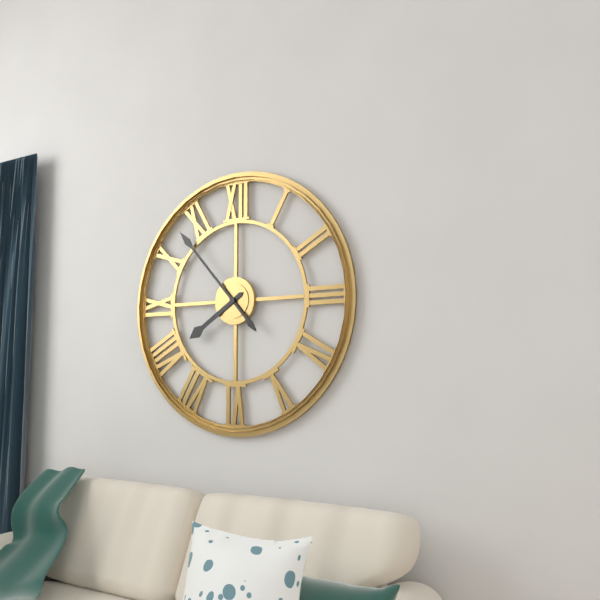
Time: {"hour": 7, "minute": 53}
